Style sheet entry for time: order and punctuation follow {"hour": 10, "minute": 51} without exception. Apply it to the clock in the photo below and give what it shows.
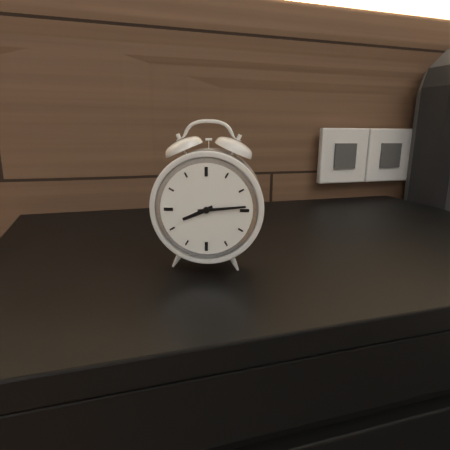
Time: {"hour": 8, "minute": 14}
